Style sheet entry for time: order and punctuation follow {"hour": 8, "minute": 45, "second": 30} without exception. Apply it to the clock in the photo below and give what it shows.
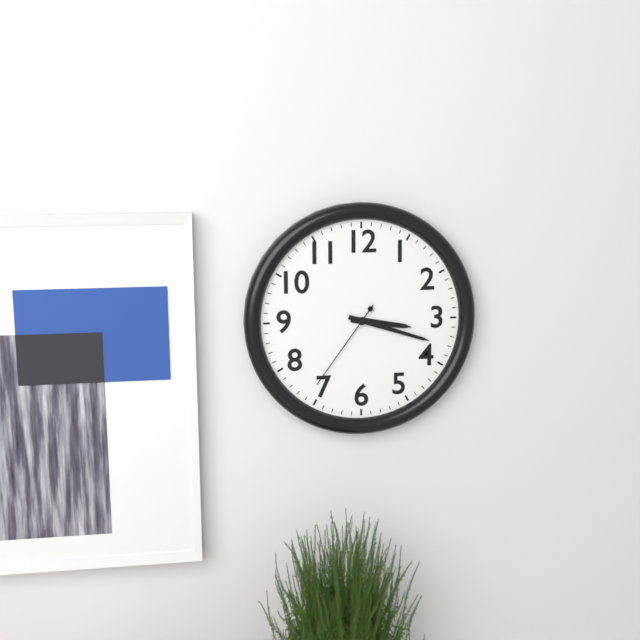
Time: {"hour": 3, "minute": 18, "second": 36}
